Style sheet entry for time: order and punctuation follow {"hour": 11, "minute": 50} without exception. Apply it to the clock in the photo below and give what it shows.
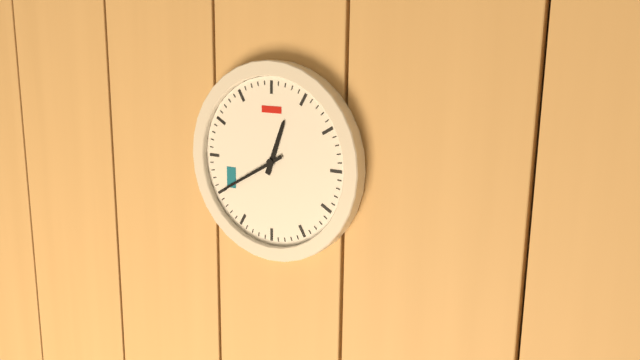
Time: {"hour": 12, "minute": 40}
